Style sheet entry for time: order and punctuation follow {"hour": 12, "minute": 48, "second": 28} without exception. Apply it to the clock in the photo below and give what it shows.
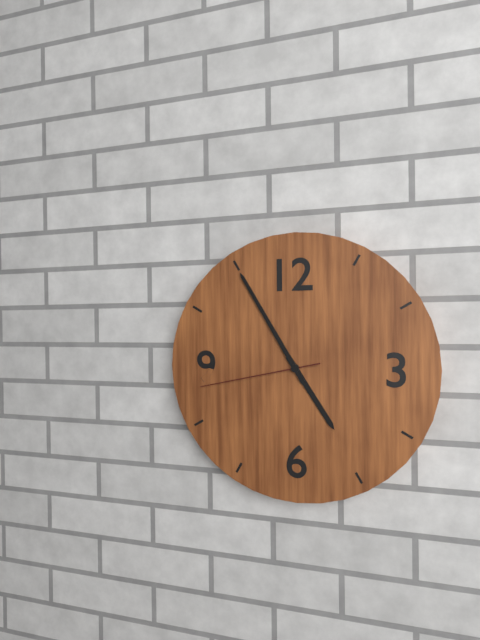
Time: {"hour": 4, "minute": 55, "second": 43}
